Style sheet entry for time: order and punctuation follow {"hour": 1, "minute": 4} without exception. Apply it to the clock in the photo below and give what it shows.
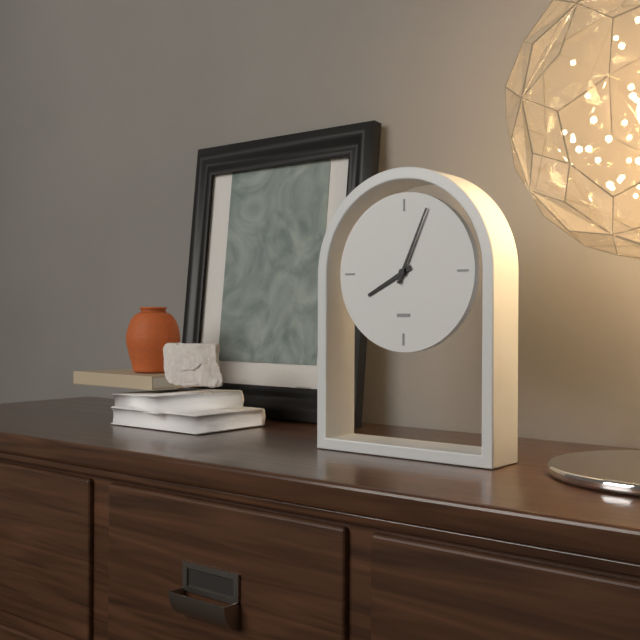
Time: {"hour": 8, "minute": 4}
